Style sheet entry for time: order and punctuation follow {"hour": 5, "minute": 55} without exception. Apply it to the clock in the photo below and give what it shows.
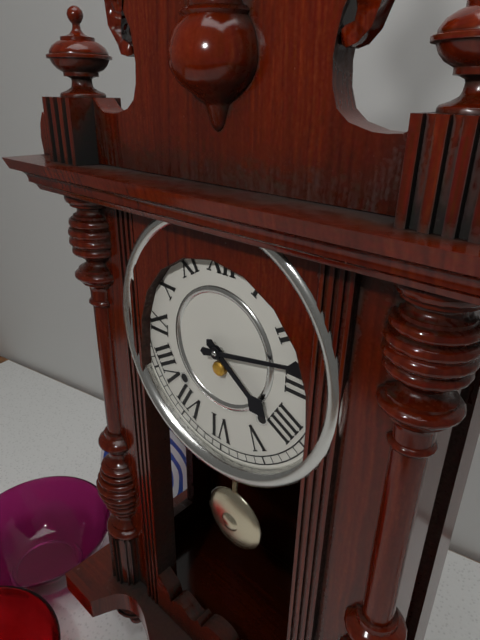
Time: {"hour": 4, "minute": 13}
